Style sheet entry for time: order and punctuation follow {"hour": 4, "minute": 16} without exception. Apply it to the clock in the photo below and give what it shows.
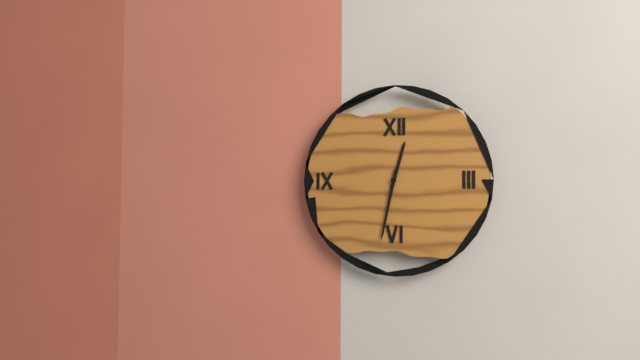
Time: {"hour": 12, "minute": 32}
